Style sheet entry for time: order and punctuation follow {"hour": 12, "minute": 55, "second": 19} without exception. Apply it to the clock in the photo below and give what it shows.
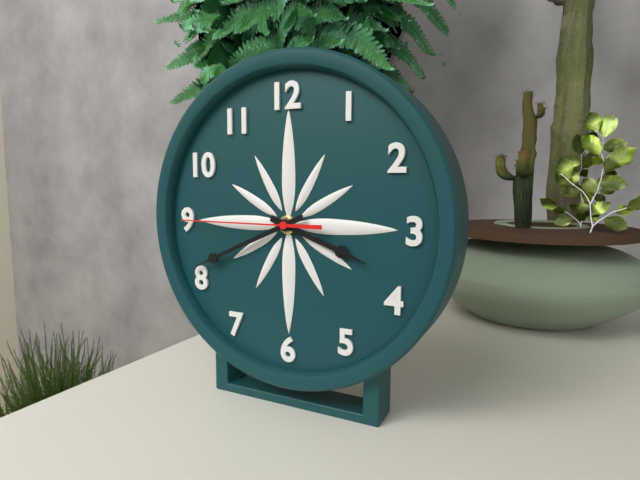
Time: {"hour": 3, "minute": 41, "second": 45}
